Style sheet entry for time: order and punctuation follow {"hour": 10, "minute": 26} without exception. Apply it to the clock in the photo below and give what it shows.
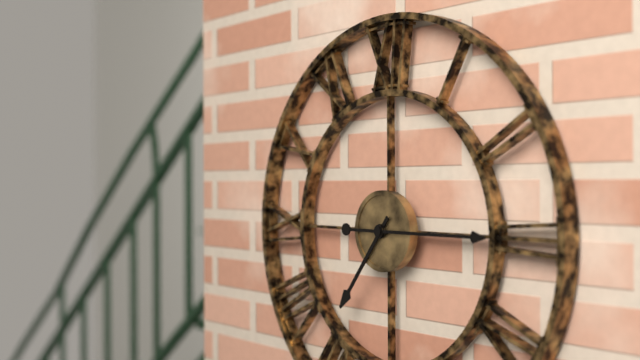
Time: {"hour": 7, "minute": 15}
